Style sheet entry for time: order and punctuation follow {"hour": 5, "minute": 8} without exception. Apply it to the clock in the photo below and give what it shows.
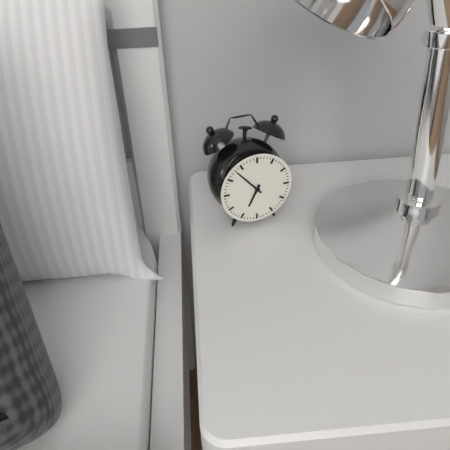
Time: {"hour": 6, "minute": 53}
